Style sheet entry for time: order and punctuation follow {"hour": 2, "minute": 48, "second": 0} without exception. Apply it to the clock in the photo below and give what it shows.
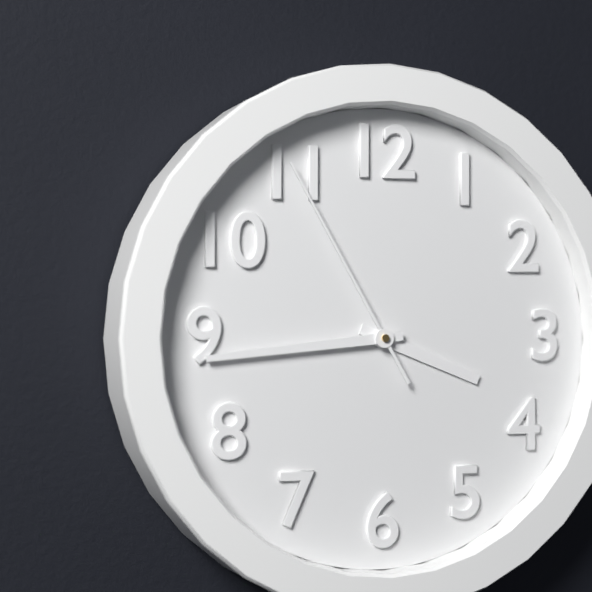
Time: {"hour": 3, "minute": 44, "second": 55}
